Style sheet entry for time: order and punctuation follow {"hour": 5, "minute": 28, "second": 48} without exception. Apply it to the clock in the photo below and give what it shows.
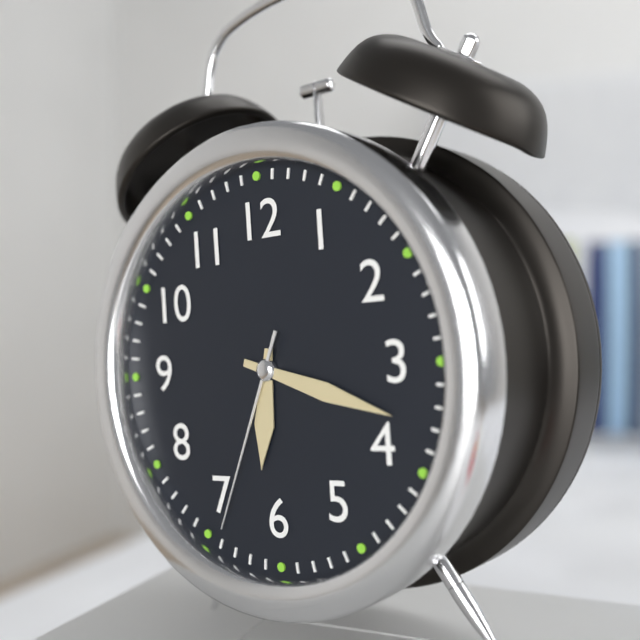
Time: {"hour": 6, "minute": 18, "second": 34}
